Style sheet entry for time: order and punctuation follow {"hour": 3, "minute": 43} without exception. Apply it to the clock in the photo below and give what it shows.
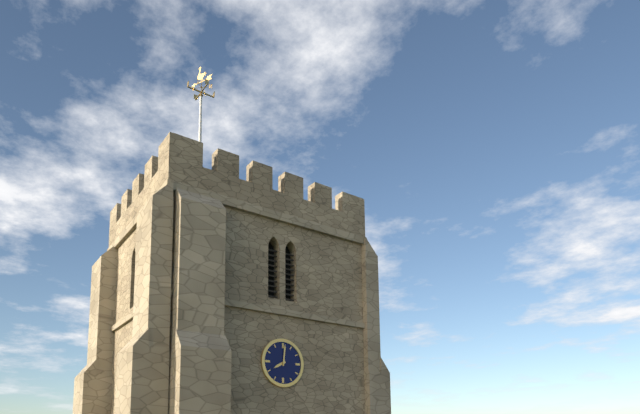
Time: {"hour": 8, "minute": 1}
